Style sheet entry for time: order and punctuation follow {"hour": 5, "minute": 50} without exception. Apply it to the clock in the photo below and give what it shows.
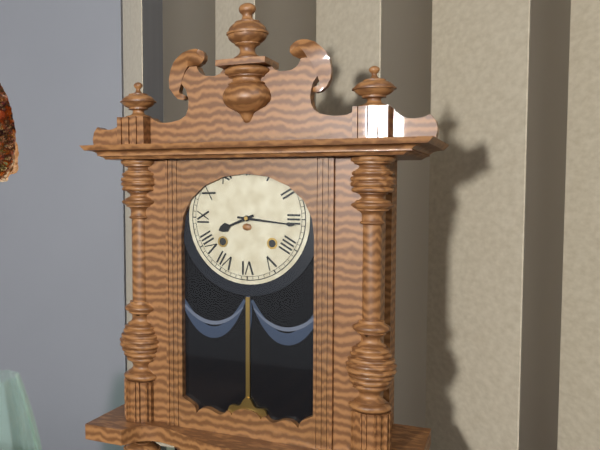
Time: {"hour": 8, "minute": 16}
